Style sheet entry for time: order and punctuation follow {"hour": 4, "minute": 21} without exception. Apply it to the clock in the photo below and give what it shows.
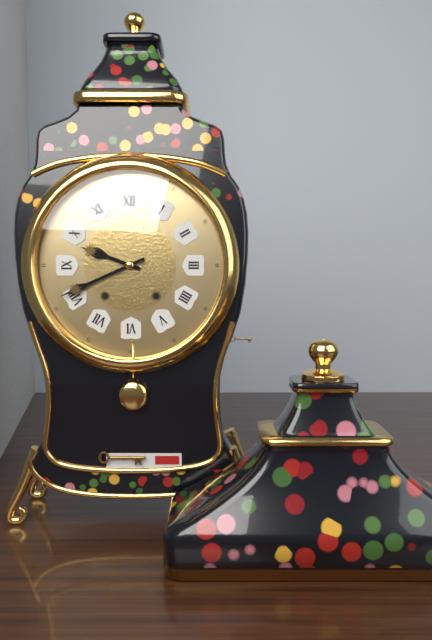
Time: {"hour": 9, "minute": 41}
